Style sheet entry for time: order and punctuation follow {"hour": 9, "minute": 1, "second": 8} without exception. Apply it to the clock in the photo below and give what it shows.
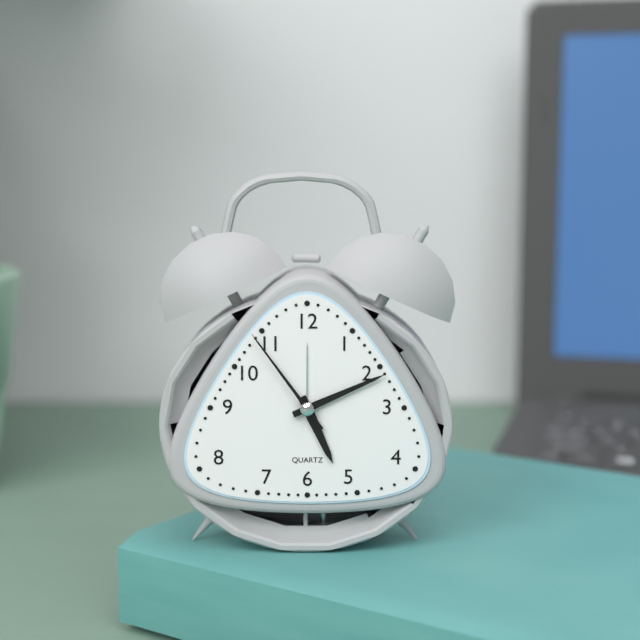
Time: {"hour": 5, "minute": 11, "second": 54}
